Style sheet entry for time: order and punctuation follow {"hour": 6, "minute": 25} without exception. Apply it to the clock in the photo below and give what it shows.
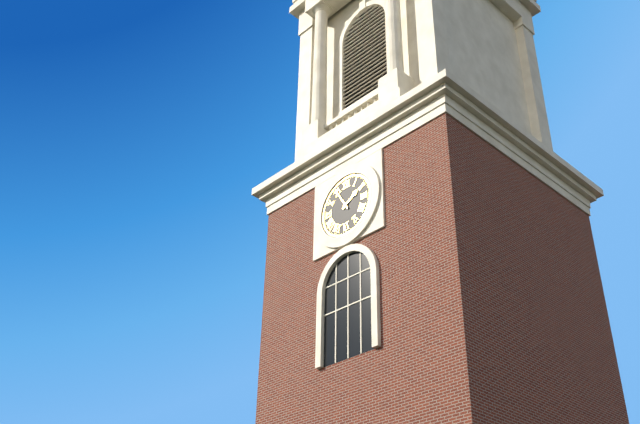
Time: {"hour": 1, "minute": 55}
